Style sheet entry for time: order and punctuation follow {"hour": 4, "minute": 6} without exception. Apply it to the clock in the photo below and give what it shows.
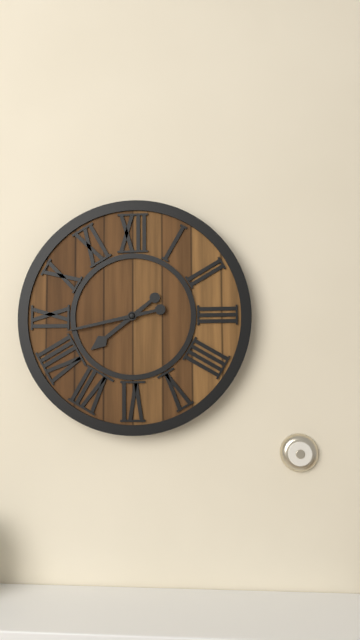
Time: {"hour": 7, "minute": 43}
